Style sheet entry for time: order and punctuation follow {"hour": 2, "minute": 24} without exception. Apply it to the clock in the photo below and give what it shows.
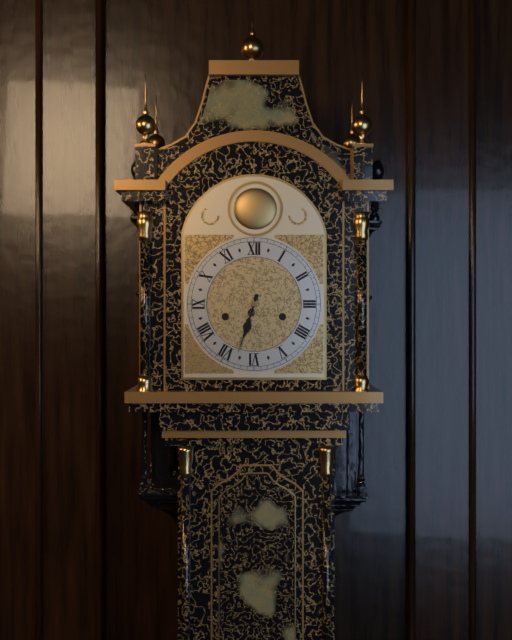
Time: {"hour": 6, "minute": 33}
